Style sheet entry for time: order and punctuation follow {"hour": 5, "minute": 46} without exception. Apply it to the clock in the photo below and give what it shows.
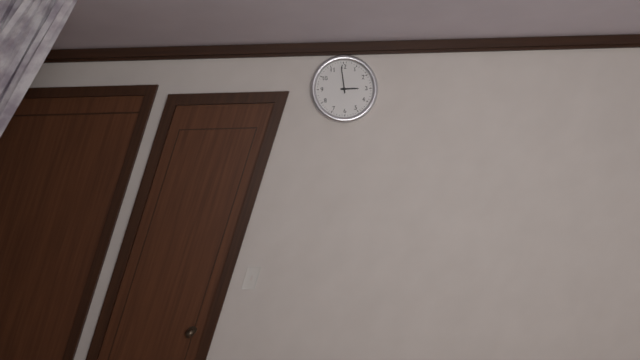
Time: {"hour": 2, "minute": 59}
